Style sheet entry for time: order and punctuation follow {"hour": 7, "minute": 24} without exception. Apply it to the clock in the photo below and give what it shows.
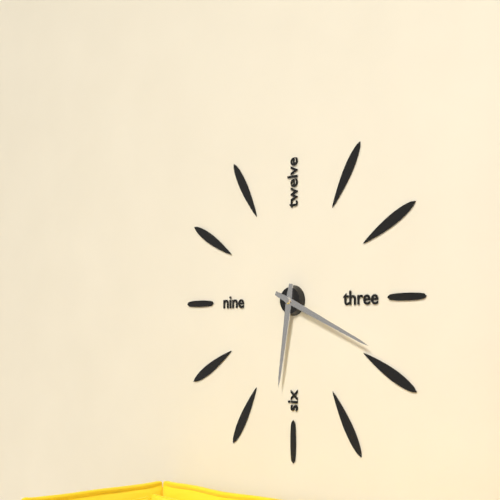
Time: {"hour": 6, "minute": 19}
